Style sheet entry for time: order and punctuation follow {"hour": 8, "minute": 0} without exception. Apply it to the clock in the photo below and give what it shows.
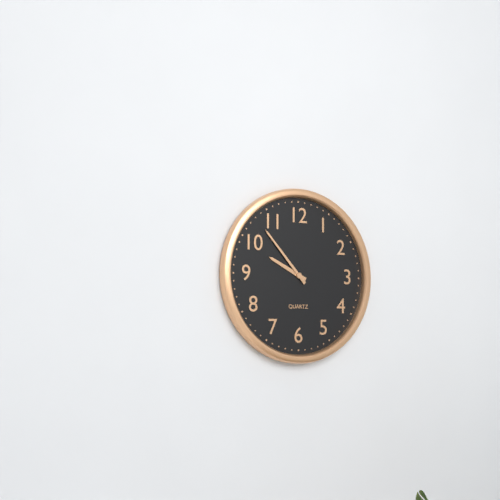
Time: {"hour": 9, "minute": 53}
